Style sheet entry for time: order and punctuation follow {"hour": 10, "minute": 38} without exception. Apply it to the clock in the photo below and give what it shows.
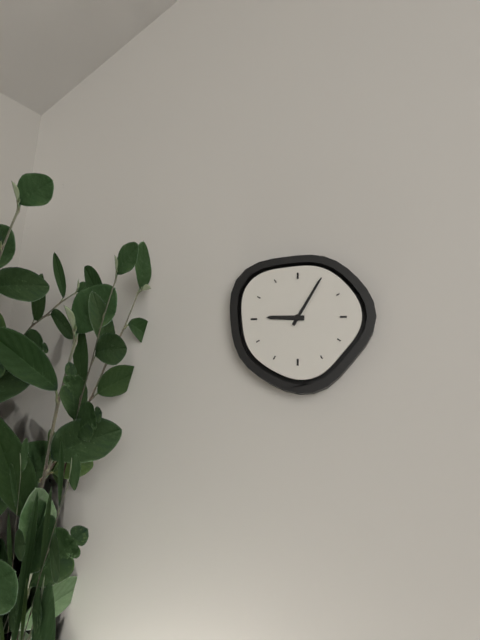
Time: {"hour": 9, "minute": 5}
